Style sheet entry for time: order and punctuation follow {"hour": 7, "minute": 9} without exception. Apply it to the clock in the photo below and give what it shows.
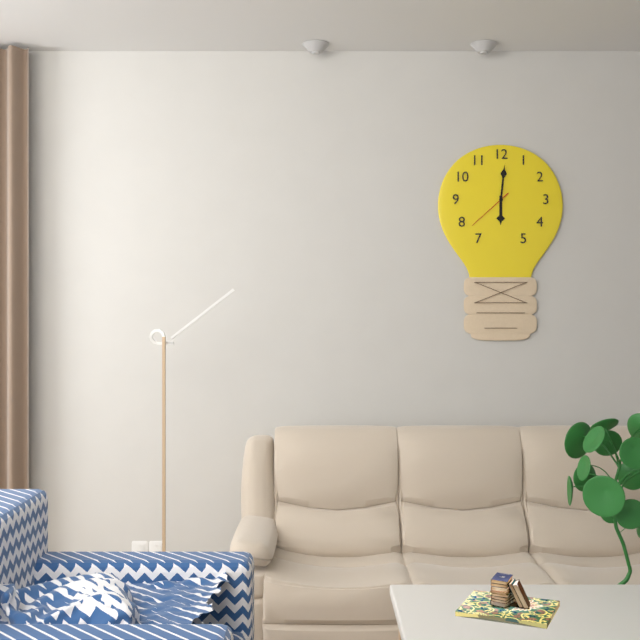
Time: {"hour": 6, "minute": 1}
